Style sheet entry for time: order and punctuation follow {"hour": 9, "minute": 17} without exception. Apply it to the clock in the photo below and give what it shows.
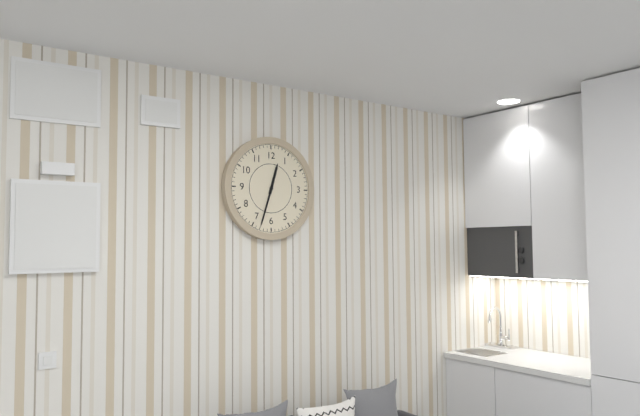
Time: {"hour": 12, "minute": 33}
